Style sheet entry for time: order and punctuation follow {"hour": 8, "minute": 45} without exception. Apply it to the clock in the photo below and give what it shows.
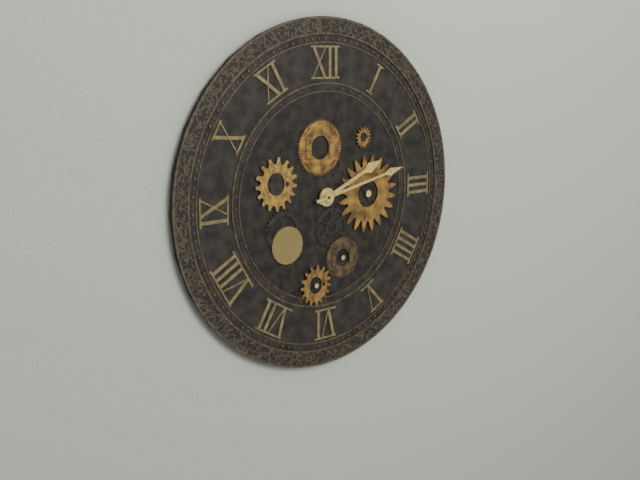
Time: {"hour": 2, "minute": 13}
